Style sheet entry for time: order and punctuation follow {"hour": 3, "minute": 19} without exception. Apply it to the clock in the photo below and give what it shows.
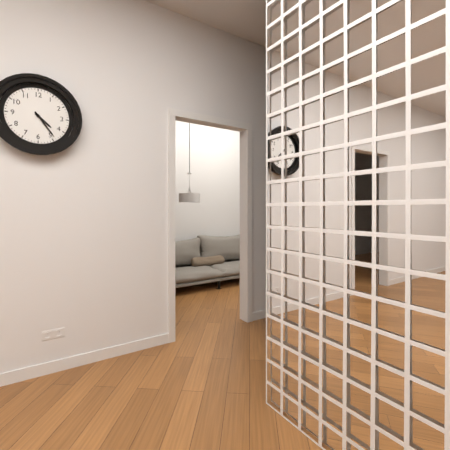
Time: {"hour": 4, "minute": 24}
